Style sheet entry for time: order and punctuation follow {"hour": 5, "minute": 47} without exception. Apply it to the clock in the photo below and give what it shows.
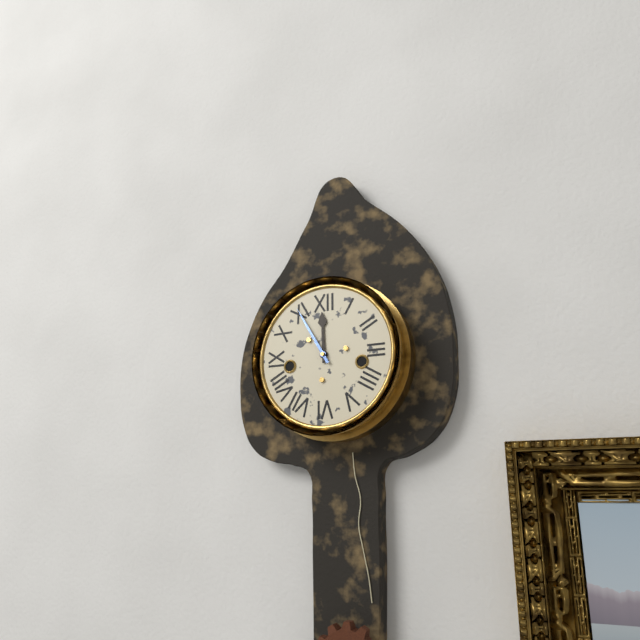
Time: {"hour": 11, "minute": 55}
